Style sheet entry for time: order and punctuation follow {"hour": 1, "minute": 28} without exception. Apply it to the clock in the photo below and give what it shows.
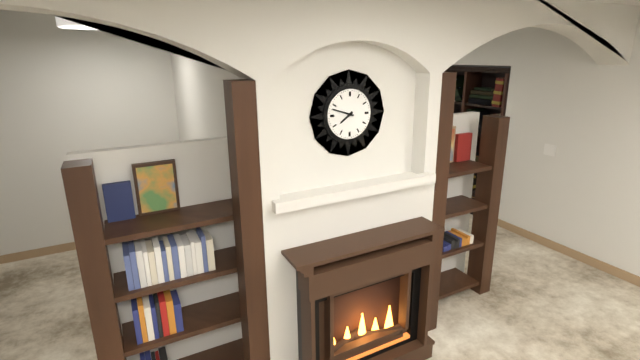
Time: {"hour": 7, "minute": 48}
